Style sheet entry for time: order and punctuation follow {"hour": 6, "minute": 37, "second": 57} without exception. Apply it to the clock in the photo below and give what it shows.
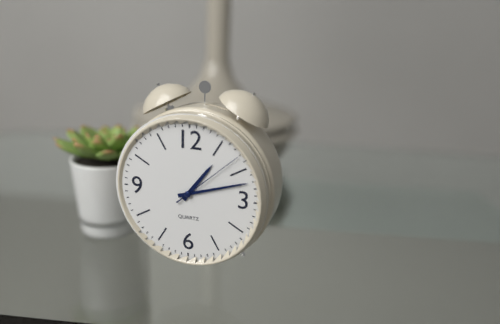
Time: {"hour": 1, "minute": 12, "second": 8}
